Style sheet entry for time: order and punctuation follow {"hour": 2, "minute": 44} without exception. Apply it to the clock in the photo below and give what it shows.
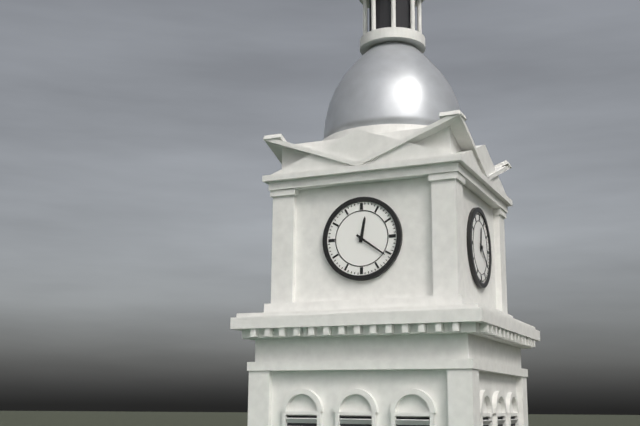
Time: {"hour": 12, "minute": 21}
